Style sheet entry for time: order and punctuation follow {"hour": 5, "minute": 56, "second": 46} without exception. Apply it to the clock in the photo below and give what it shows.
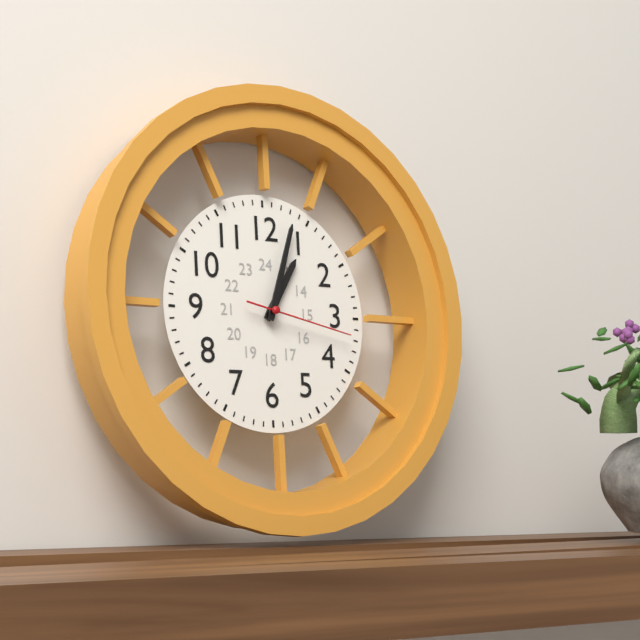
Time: {"hour": 1, "minute": 3, "second": 17}
